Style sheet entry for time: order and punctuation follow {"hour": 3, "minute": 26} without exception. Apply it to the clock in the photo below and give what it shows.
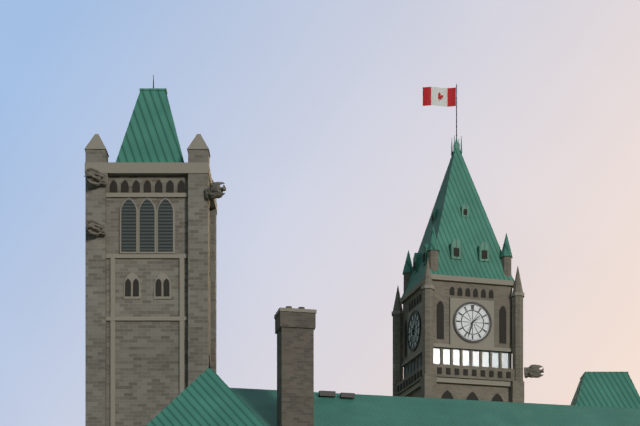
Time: {"hour": 1, "minute": 33}
